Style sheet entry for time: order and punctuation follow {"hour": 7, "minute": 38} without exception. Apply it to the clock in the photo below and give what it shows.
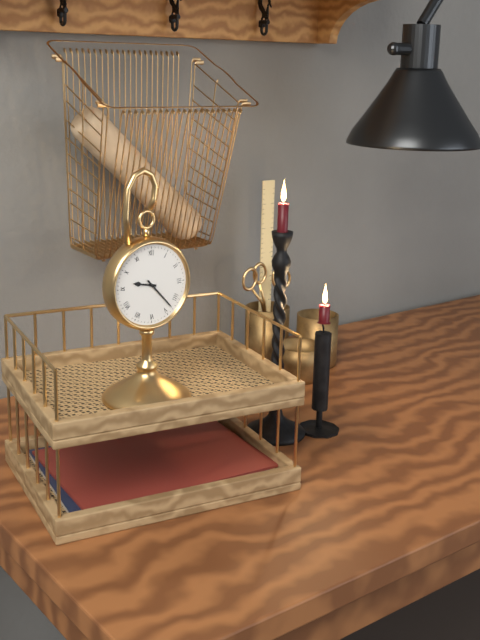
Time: {"hour": 9, "minute": 23}
